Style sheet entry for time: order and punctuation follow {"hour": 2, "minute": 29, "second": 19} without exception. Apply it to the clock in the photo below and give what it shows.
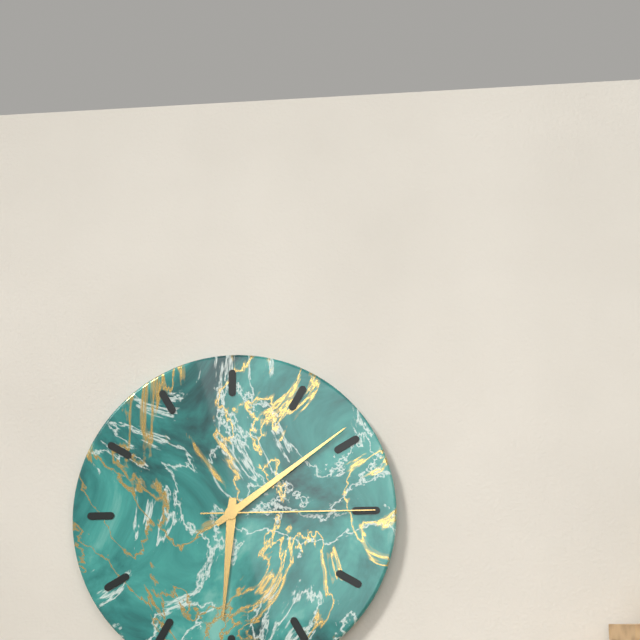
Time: {"hour": 6, "minute": 9, "second": 15}
